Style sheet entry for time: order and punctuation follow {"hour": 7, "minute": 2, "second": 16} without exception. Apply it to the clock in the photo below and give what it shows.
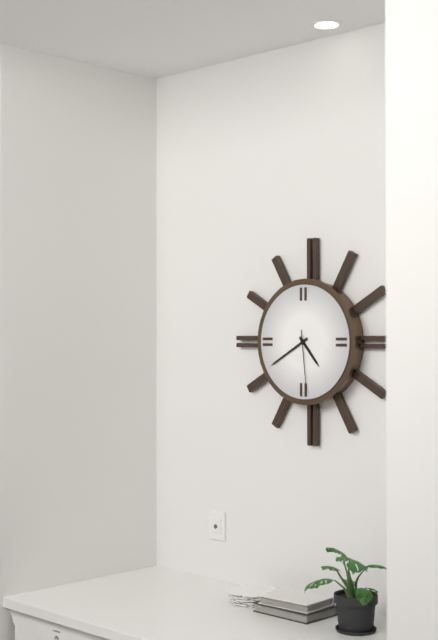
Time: {"hour": 4, "minute": 40, "second": 29}
